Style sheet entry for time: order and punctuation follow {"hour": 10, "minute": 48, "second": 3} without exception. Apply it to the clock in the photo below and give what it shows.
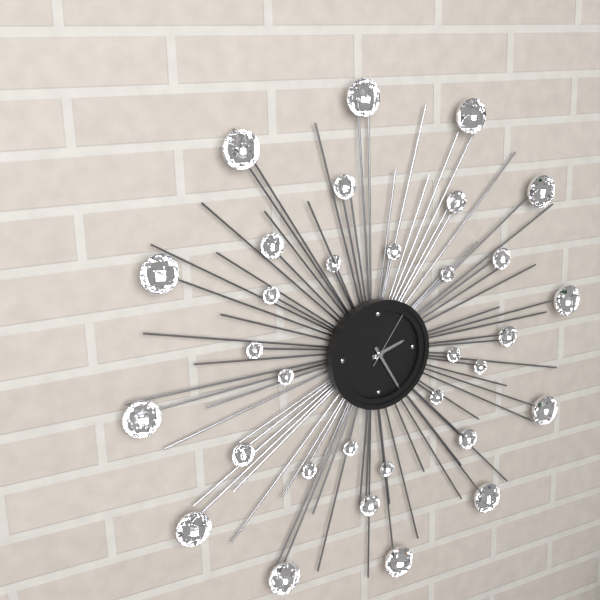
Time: {"hour": 2, "minute": 25, "second": 6}
